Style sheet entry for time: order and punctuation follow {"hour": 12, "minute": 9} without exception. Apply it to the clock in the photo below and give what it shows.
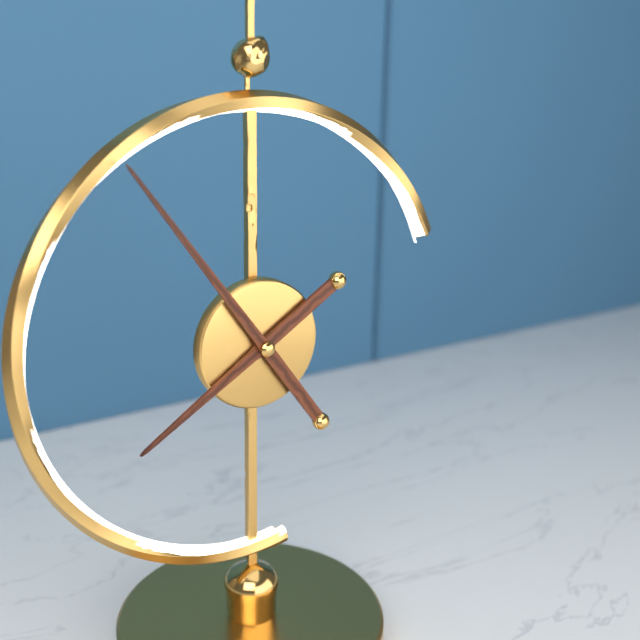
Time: {"hour": 7, "minute": 54}
